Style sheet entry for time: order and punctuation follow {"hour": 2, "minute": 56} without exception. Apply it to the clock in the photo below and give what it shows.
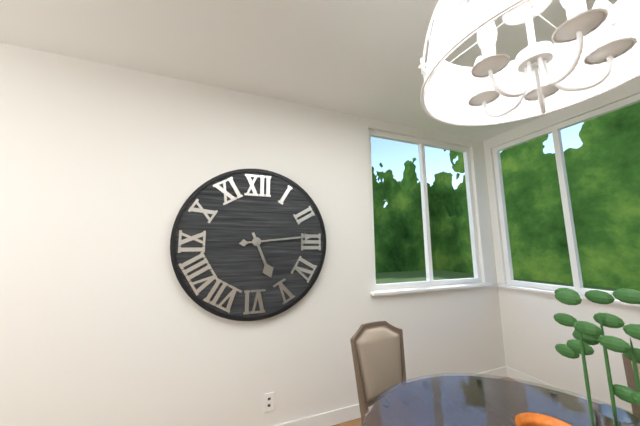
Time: {"hour": 5, "minute": 14}
